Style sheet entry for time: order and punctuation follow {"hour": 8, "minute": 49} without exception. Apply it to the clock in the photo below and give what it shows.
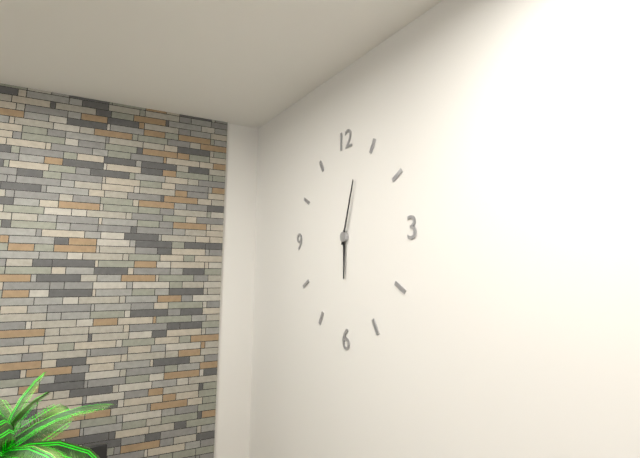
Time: {"hour": 6, "minute": 3}
